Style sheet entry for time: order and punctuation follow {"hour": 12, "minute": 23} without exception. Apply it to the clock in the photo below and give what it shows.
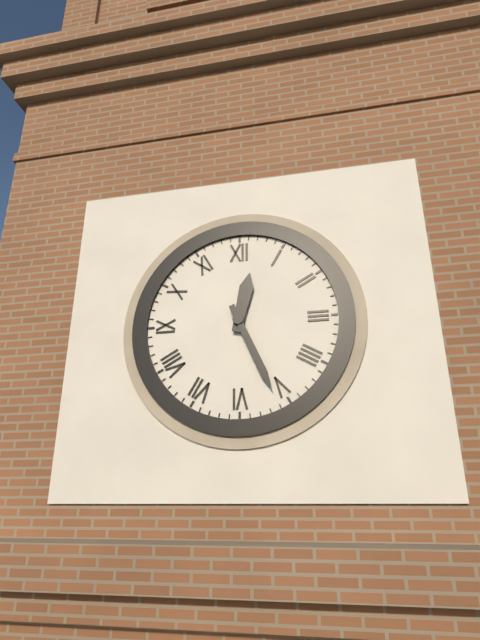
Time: {"hour": 12, "minute": 26}
